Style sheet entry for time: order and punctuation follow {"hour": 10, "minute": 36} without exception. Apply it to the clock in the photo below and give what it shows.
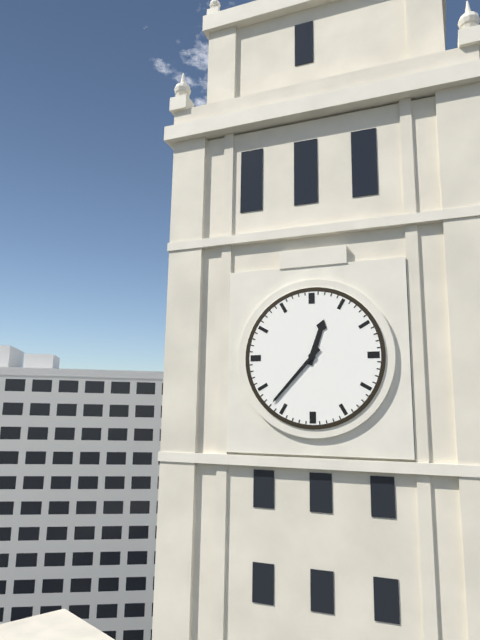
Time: {"hour": 12, "minute": 37}
